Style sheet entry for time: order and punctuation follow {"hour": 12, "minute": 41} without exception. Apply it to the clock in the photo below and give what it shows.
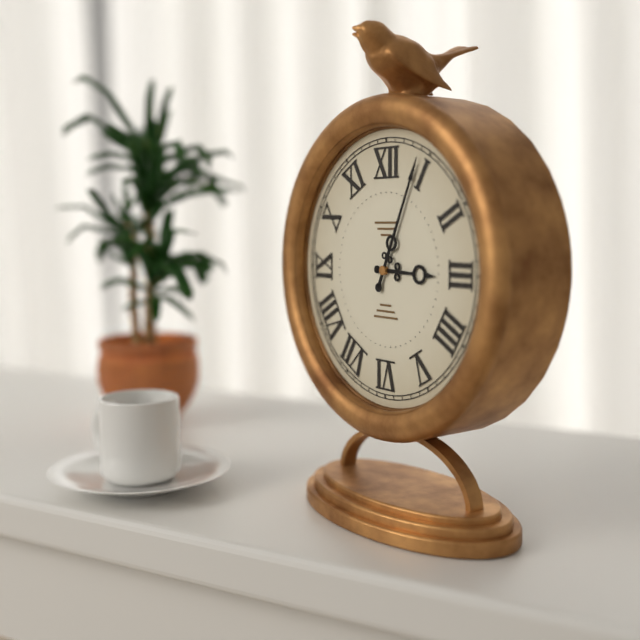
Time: {"hour": 3, "minute": 4}
